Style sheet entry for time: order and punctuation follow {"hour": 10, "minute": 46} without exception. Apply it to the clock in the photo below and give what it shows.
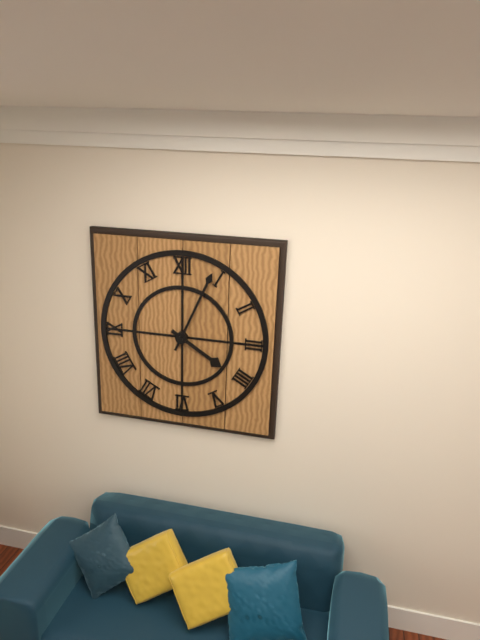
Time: {"hour": 4, "minute": 4}
